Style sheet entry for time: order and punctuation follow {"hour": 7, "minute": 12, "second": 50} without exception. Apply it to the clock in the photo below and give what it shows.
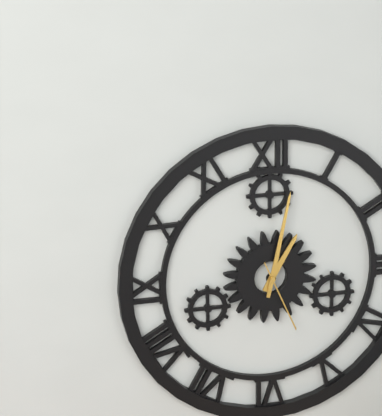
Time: {"hour": 1, "minute": 2, "second": 26}
